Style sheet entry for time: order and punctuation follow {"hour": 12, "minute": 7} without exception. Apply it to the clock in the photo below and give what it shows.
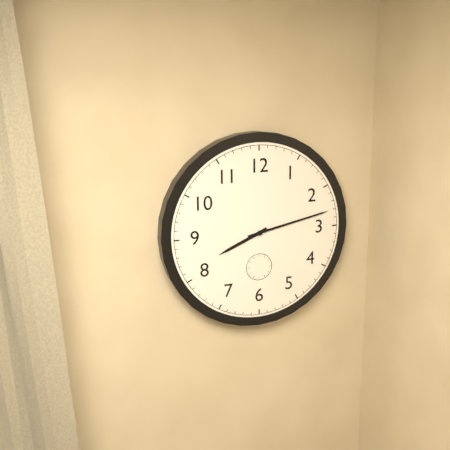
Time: {"hour": 8, "minute": 13}
